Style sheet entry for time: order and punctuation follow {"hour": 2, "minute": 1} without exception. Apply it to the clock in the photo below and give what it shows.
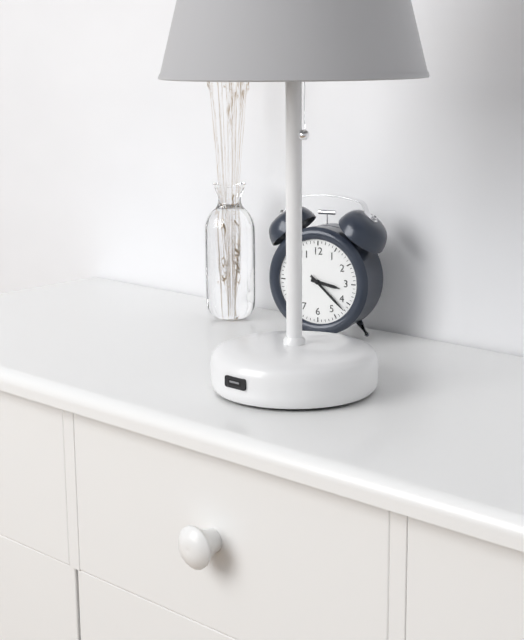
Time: {"hour": 3, "minute": 22}
